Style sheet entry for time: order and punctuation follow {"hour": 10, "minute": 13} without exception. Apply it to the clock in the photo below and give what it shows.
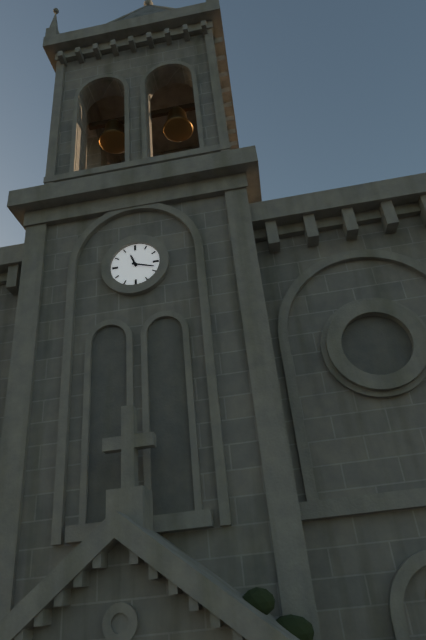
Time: {"hour": 11, "minute": 18}
